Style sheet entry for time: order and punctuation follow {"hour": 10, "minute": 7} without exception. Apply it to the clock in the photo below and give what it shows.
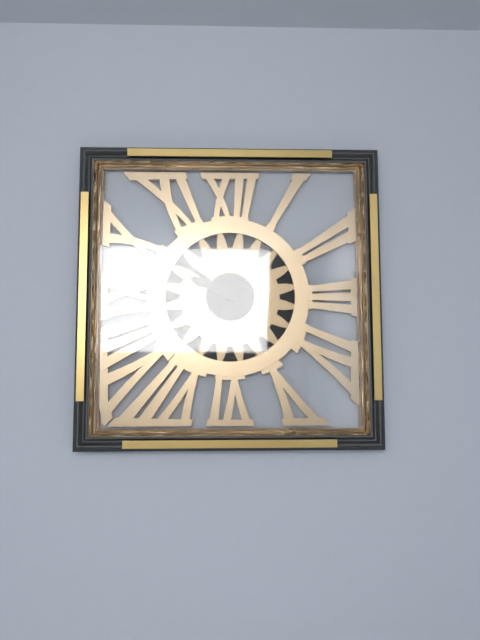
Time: {"hour": 9, "minute": 51}
